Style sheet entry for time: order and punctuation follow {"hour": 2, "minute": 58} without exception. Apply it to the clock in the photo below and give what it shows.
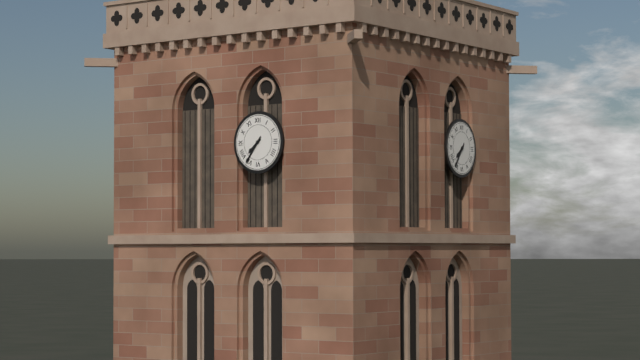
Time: {"hour": 7, "minute": 36}
